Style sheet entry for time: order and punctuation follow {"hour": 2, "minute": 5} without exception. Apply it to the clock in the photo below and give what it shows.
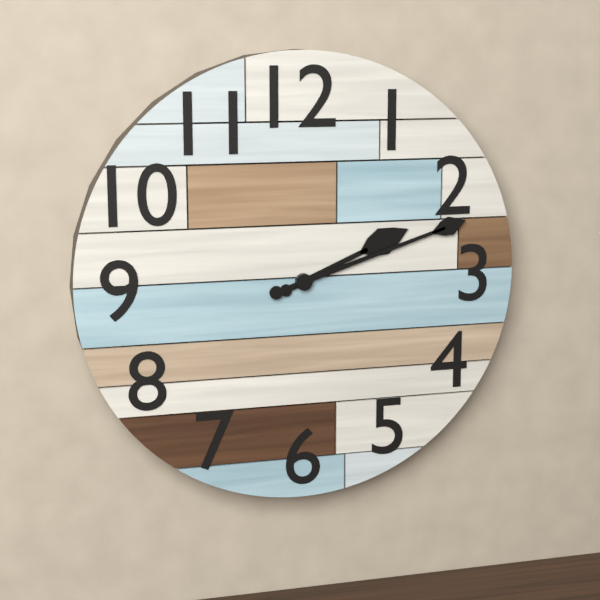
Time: {"hour": 2, "minute": 12}
